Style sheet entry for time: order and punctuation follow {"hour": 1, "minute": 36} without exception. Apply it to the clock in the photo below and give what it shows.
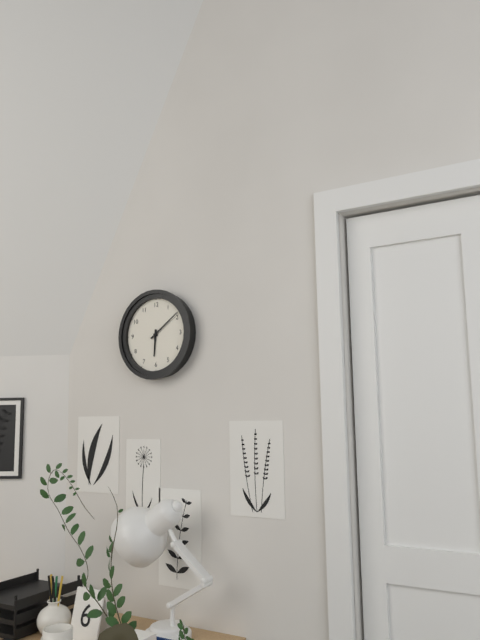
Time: {"hour": 6, "minute": 9}
